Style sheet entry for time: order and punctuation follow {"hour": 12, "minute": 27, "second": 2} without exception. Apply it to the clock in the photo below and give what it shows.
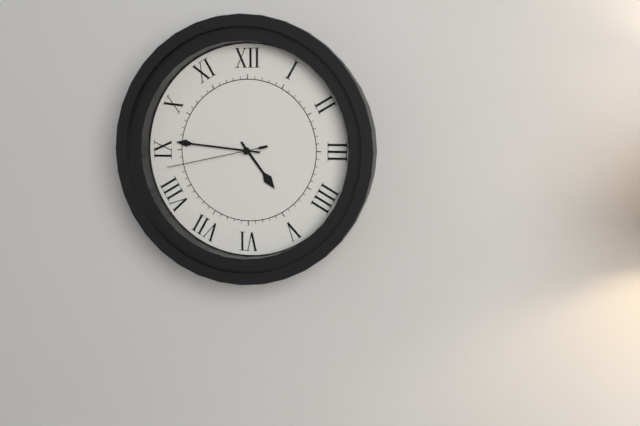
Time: {"hour": 4, "minute": 46, "second": 43}
